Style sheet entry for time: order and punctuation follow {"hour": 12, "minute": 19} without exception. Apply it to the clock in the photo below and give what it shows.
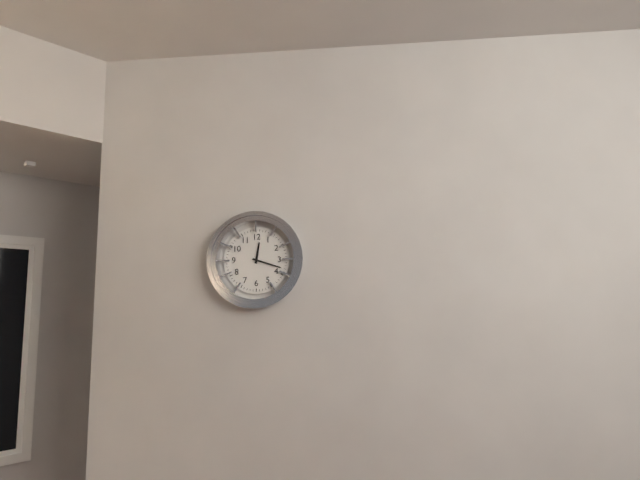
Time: {"hour": 12, "minute": 18}
